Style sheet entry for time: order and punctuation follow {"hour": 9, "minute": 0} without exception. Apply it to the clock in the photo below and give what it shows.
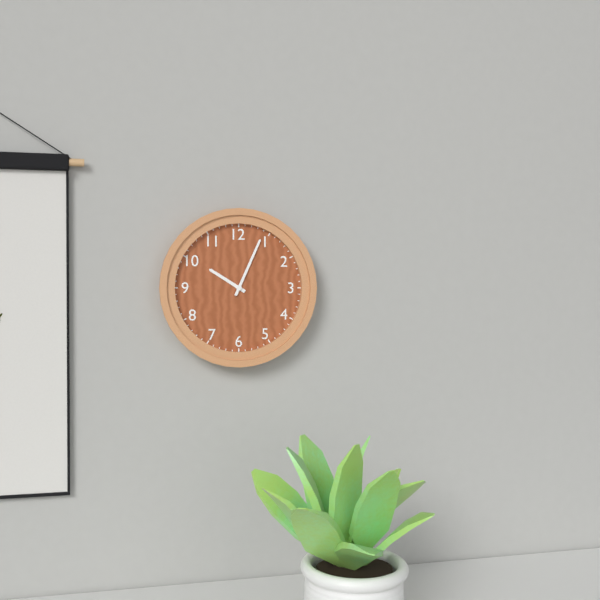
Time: {"hour": 10, "minute": 4}
